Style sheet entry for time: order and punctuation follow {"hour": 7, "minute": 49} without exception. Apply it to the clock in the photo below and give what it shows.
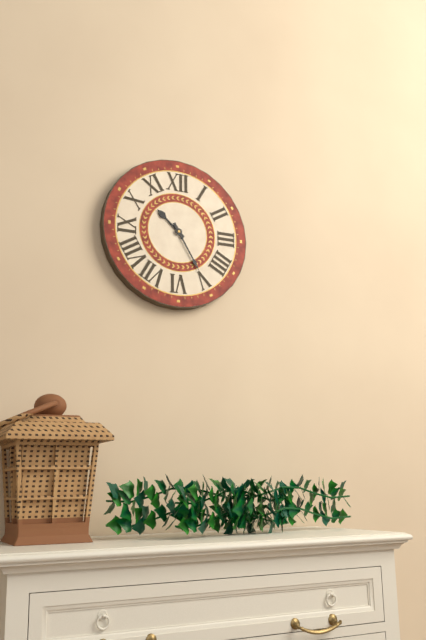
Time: {"hour": 10, "minute": 25}
